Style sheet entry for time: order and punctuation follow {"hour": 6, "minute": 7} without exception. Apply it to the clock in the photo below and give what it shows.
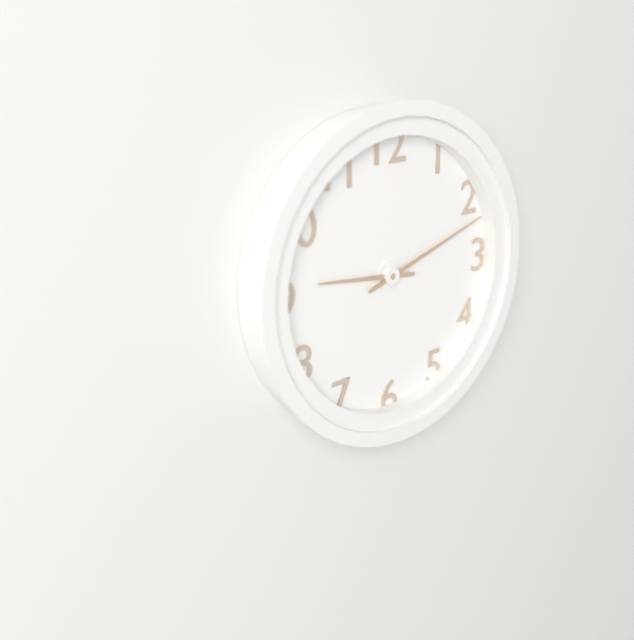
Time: {"hour": 9, "minute": 12}
